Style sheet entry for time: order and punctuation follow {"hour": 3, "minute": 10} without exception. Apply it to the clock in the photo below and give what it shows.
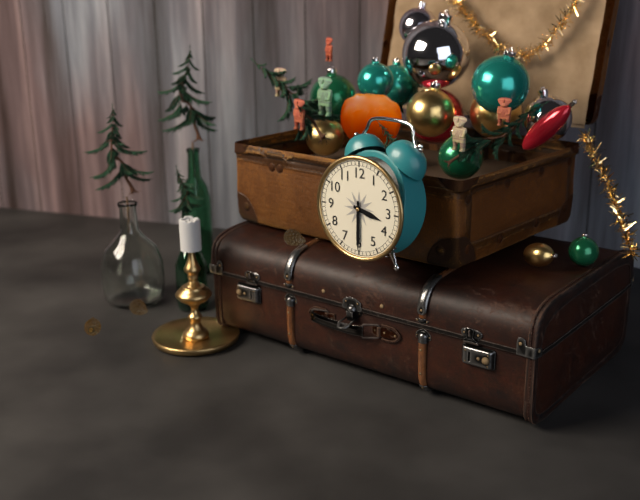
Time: {"hour": 3, "minute": 30}
